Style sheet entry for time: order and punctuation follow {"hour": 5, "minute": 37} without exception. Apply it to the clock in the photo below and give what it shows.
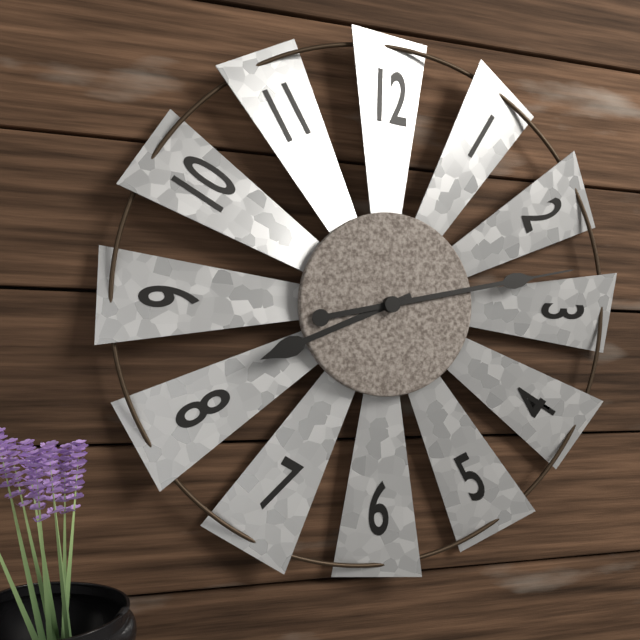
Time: {"hour": 8, "minute": 13}
